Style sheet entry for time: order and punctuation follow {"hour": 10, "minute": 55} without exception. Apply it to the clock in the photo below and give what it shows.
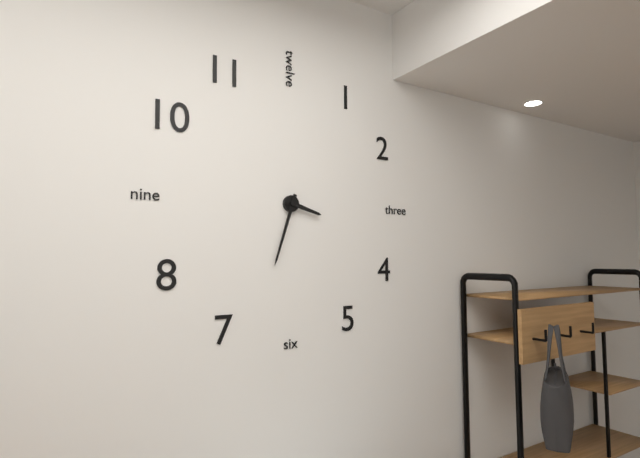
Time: {"hour": 3, "minute": 33}
